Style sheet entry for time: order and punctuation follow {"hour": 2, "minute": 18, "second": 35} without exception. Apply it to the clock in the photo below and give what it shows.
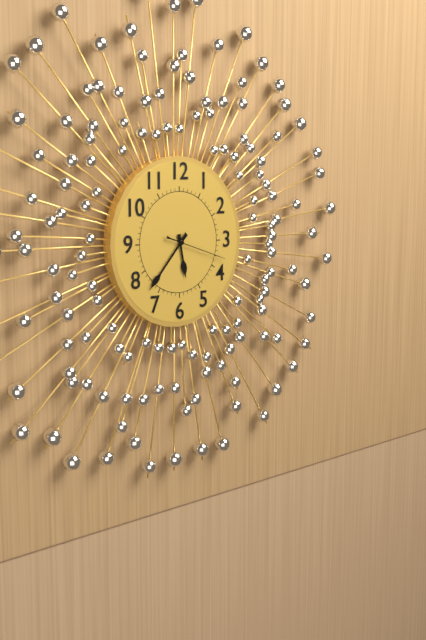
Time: {"hour": 5, "minute": 37, "second": 18}
